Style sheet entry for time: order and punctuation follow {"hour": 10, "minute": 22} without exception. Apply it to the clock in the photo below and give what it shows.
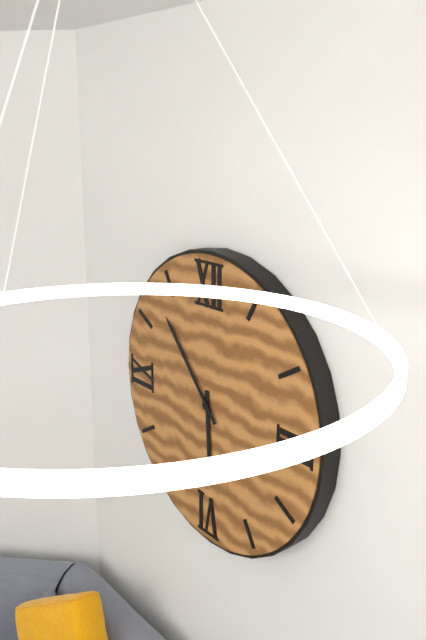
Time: {"hour": 5, "minute": 53}
